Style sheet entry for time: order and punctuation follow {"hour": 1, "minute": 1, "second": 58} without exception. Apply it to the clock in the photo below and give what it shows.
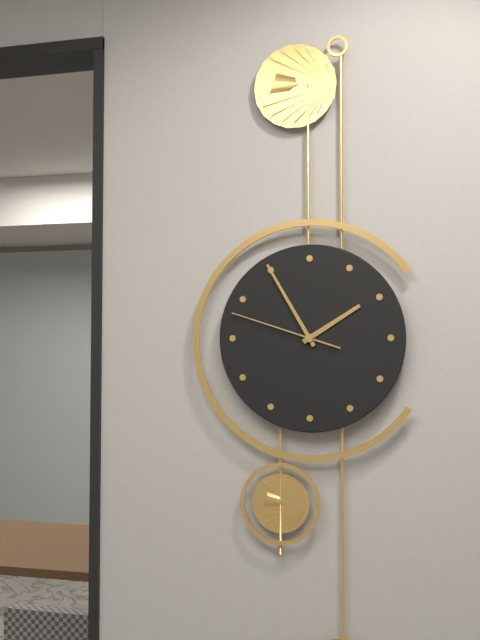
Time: {"hour": 1, "minute": 55, "second": 48}
